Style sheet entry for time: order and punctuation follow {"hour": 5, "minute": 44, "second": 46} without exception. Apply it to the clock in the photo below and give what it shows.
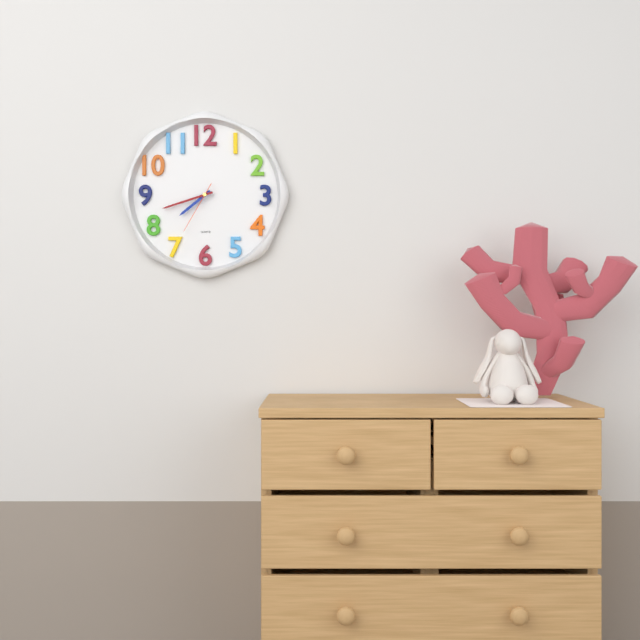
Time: {"hour": 7, "minute": 42, "second": 35}
